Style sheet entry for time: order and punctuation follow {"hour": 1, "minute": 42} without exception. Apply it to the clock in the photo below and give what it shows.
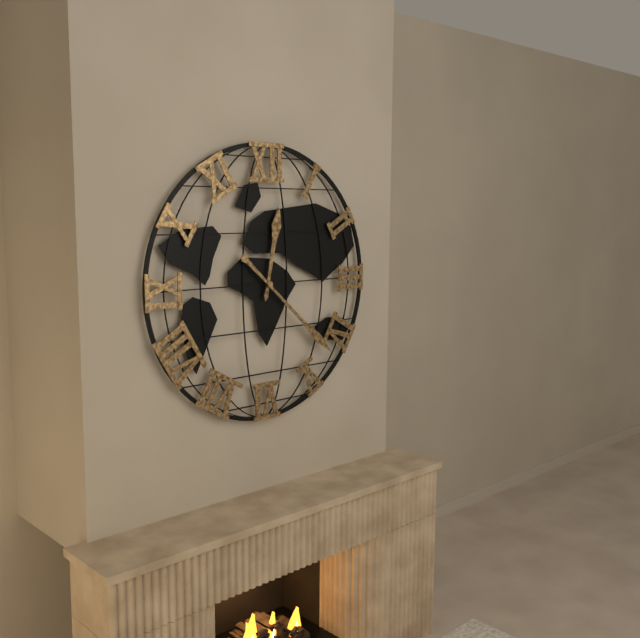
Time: {"hour": 12, "minute": 22}
